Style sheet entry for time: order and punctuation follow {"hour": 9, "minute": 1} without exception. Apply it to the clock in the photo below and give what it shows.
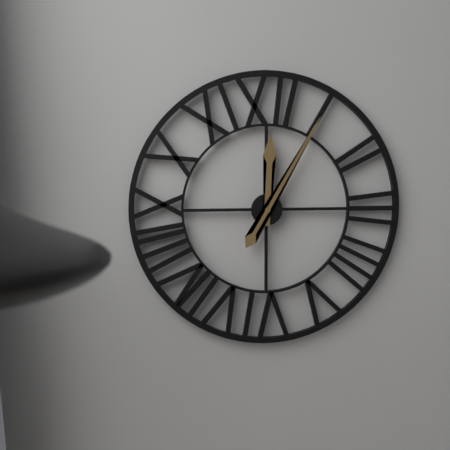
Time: {"hour": 12, "minute": 5}
